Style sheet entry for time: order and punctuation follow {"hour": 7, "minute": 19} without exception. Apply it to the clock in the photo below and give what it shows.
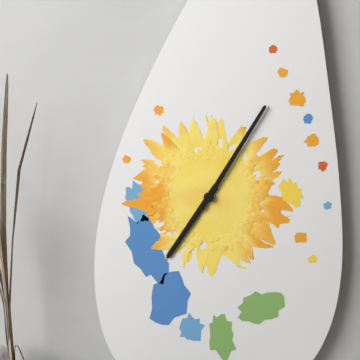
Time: {"hour": 7, "minute": 5}
